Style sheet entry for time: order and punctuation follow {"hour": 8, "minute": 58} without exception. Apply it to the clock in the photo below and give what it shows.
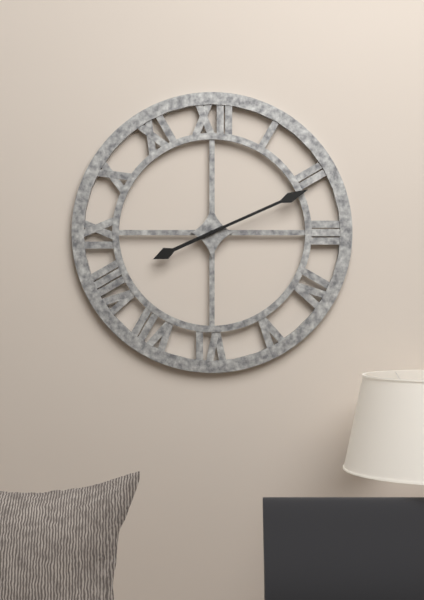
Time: {"hour": 8, "minute": 11}
